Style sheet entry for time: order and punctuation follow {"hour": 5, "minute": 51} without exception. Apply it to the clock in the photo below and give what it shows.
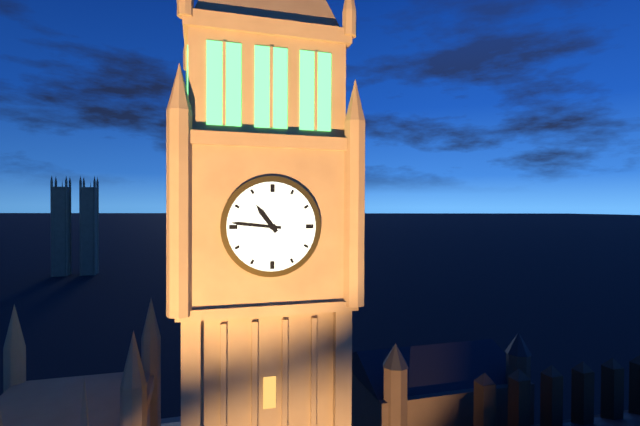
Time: {"hour": 10, "minute": 46}
